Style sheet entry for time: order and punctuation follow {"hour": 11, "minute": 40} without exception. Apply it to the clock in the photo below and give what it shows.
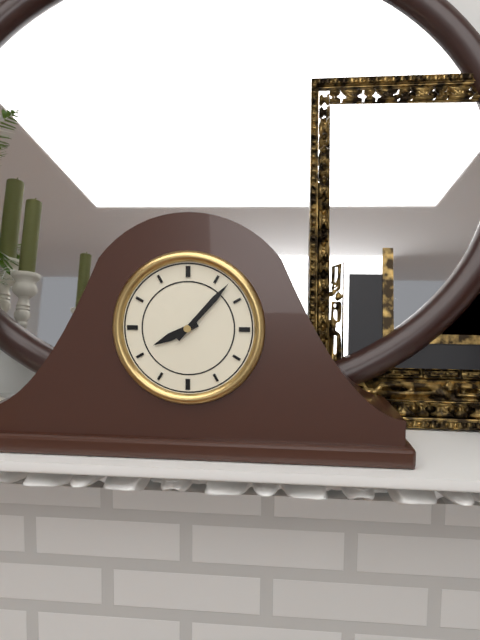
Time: {"hour": 8, "minute": 7}
